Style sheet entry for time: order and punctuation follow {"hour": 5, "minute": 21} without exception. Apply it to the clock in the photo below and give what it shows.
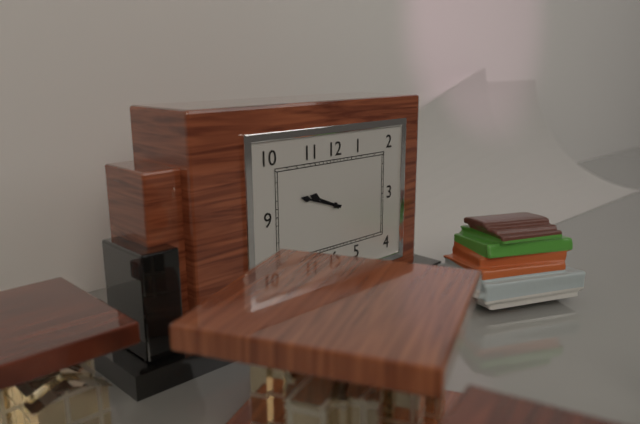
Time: {"hour": 9, "minute": 48}
